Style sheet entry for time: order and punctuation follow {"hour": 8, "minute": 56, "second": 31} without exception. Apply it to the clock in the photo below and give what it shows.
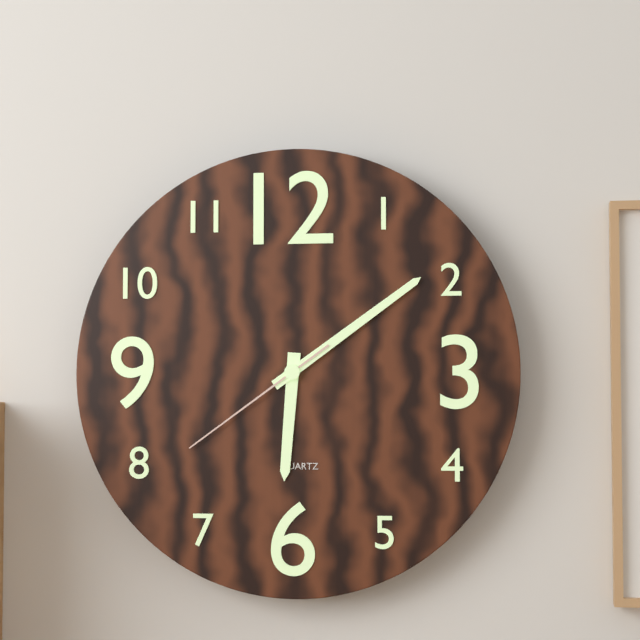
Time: {"hour": 6, "minute": 9, "second": 39}
